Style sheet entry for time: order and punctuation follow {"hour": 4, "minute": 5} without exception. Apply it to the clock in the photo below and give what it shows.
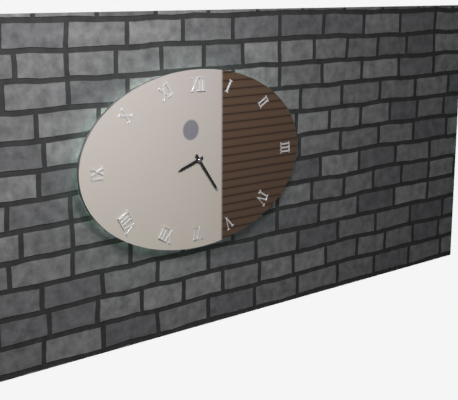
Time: {"hour": 8, "minute": 24}
